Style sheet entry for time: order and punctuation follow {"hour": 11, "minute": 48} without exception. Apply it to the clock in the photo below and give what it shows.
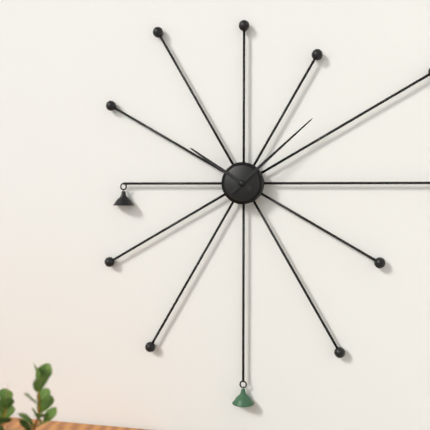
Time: {"hour": 10, "minute": 8}
